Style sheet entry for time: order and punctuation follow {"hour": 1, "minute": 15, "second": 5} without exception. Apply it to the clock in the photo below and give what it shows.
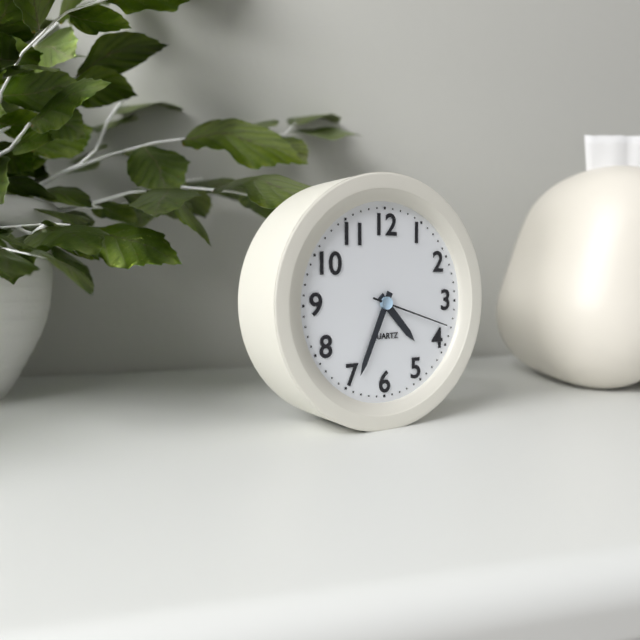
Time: {"hour": 4, "minute": 34, "second": 18}
